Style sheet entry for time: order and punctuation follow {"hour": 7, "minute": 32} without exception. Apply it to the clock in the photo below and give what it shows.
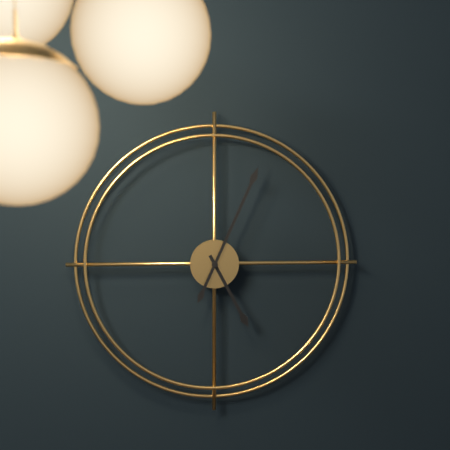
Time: {"hour": 5, "minute": 4}
